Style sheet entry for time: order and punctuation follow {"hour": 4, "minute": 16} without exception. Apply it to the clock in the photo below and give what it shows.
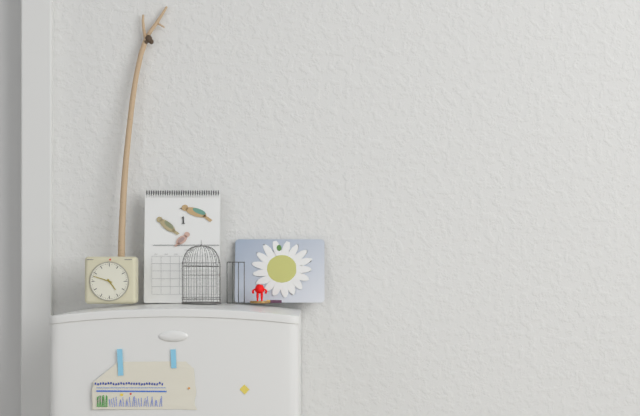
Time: {"hour": 4, "minute": 48}
